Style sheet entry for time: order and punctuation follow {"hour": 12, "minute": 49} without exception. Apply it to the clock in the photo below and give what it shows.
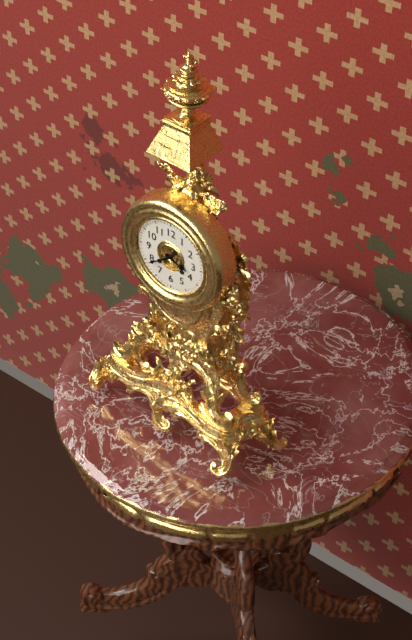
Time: {"hour": 3, "minute": 39}
